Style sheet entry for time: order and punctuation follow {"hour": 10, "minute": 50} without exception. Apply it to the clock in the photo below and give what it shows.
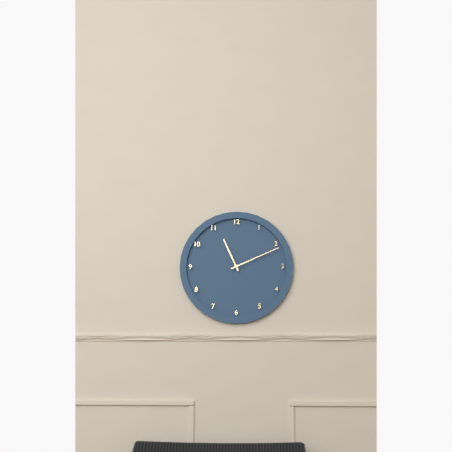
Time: {"hour": 11, "minute": 11}
